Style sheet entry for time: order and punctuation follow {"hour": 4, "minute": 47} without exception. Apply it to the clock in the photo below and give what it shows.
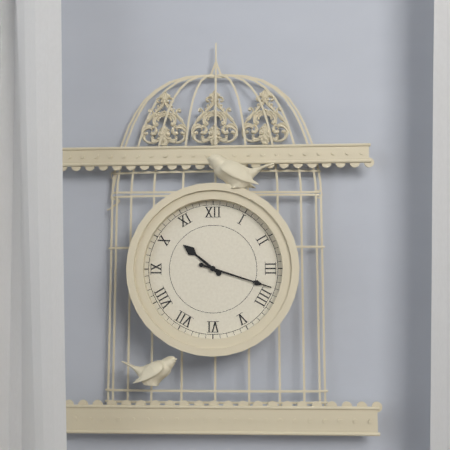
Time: {"hour": 10, "minute": 18}
